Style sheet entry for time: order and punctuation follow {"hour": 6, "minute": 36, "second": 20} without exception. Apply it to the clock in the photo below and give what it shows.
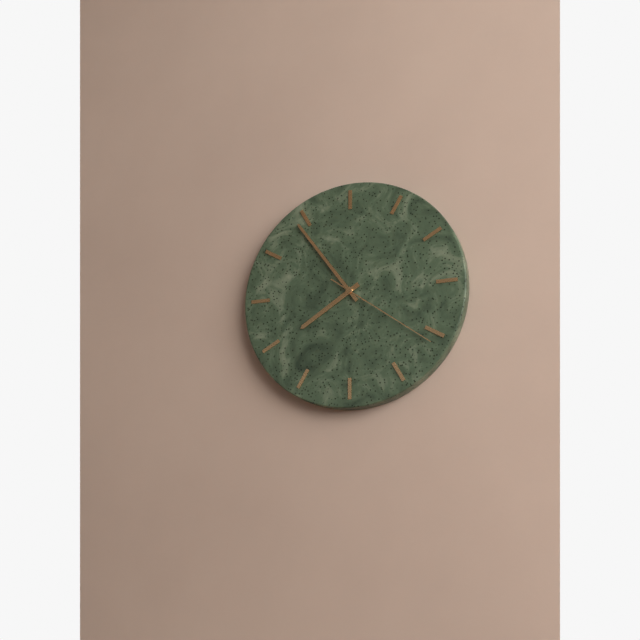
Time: {"hour": 7, "minute": 54, "second": 21}
